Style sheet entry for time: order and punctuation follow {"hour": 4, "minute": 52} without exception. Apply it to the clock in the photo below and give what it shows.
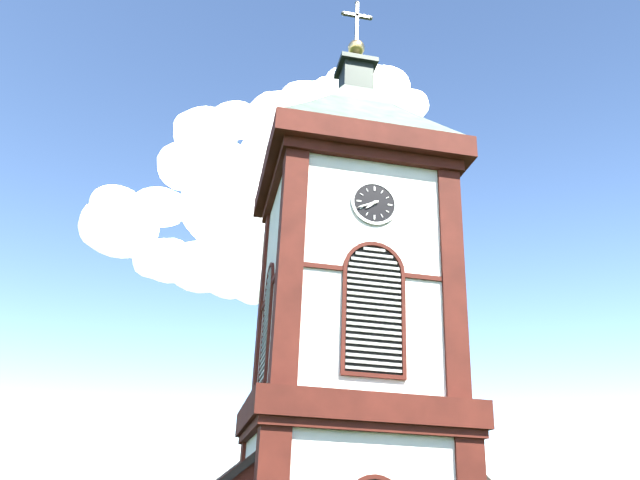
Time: {"hour": 7, "minute": 41}
